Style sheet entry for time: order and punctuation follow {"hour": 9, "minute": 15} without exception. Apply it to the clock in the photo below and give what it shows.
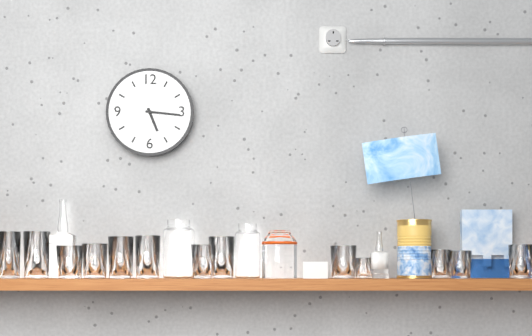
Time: {"hour": 5, "minute": 16}
